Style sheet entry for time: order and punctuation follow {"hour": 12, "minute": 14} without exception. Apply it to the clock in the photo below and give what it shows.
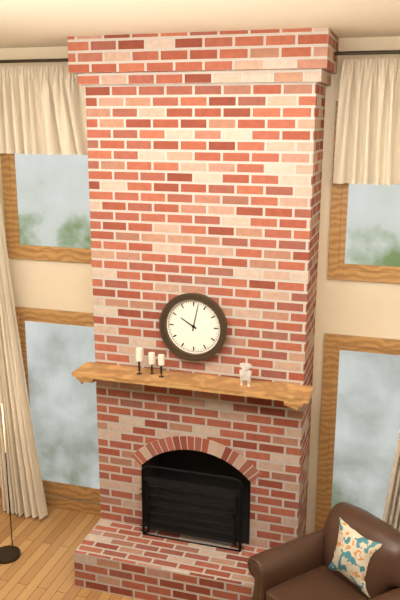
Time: {"hour": 10, "minute": 2}
